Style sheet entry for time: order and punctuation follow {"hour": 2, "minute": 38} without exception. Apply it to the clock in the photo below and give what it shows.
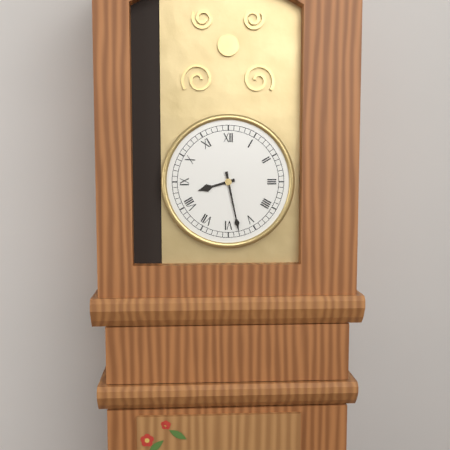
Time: {"hour": 8, "minute": 28}
